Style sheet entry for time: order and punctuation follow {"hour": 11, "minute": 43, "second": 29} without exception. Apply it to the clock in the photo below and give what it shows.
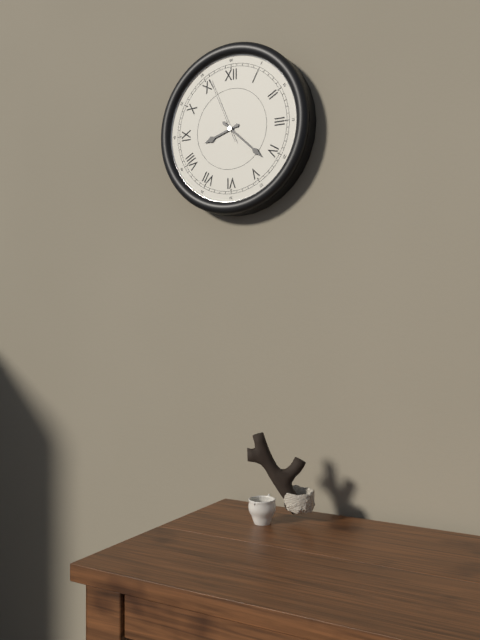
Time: {"hour": 8, "minute": 22, "second": 56}
